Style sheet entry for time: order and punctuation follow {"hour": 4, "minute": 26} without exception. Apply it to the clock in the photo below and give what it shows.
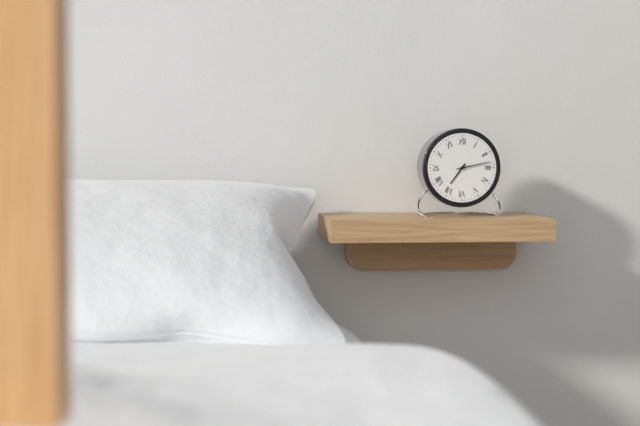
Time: {"hour": 7, "minute": 13}
